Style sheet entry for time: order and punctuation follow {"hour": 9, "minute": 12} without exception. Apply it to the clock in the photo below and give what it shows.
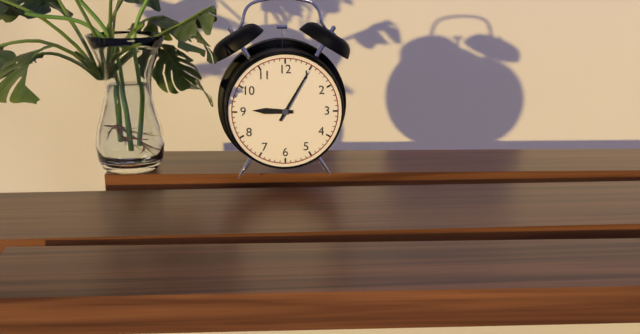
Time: {"hour": 9, "minute": 5}
